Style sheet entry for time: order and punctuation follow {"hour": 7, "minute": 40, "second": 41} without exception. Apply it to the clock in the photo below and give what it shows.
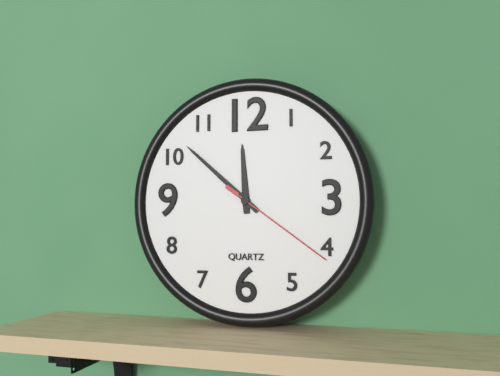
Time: {"hour": 11, "minute": 52, "second": 21}
